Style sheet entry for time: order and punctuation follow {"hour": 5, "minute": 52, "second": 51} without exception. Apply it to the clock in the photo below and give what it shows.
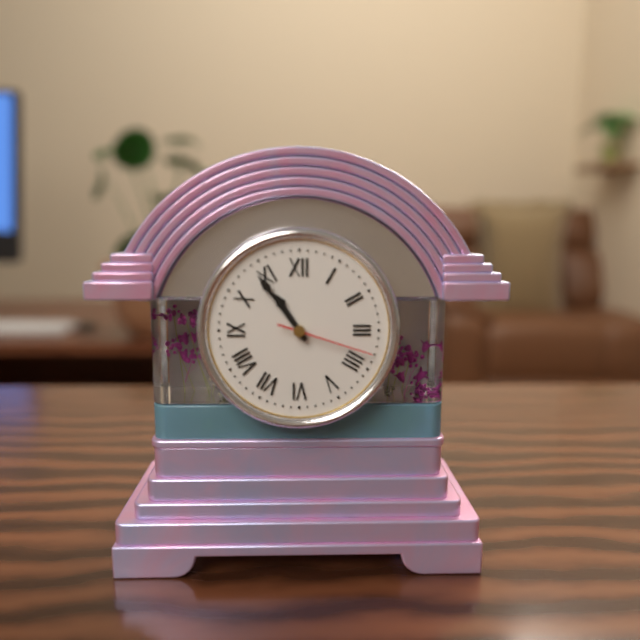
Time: {"hour": 10, "minute": 54, "second": 18}
